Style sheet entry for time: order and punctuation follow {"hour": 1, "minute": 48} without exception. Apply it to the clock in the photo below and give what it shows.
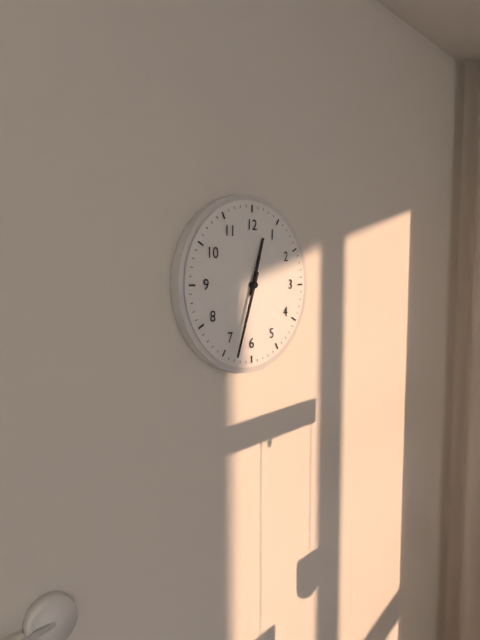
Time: {"hour": 12, "minute": 33}
